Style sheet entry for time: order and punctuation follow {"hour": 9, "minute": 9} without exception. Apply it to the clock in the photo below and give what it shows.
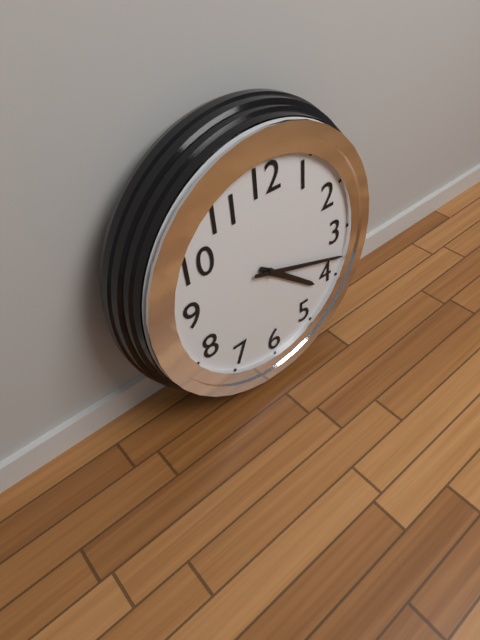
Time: {"hour": 4, "minute": 18}
